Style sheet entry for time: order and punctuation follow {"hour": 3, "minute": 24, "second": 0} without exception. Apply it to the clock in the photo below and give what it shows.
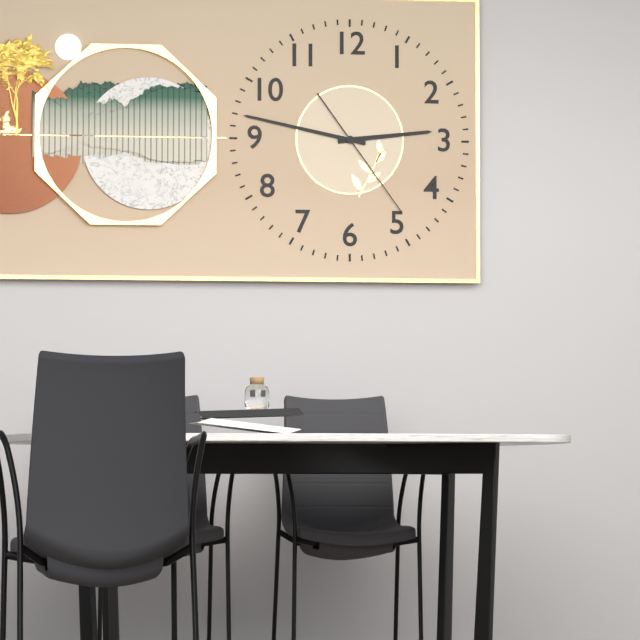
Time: {"hour": 2, "minute": 47, "second": 24}
